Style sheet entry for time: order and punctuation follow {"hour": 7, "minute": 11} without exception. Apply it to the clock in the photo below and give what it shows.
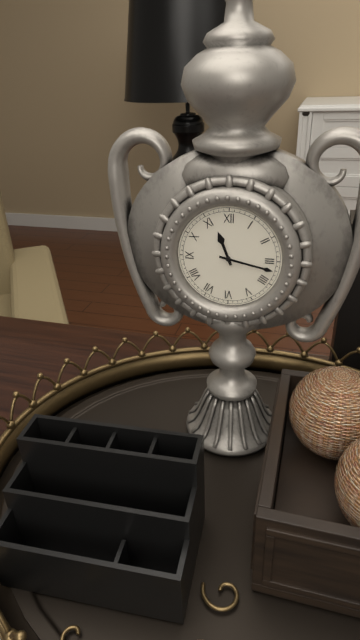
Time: {"hour": 11, "minute": 17}
